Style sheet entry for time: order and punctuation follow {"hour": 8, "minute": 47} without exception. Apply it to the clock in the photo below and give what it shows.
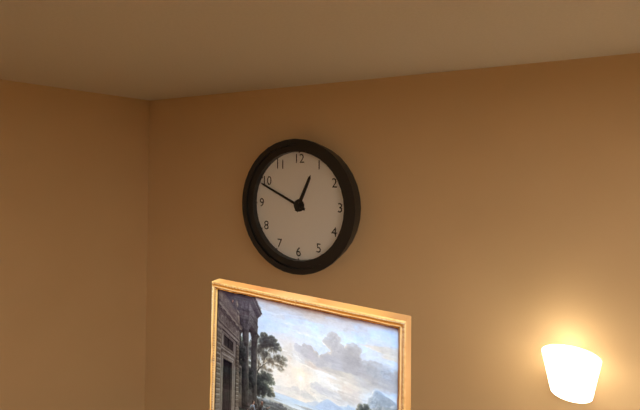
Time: {"hour": 12, "minute": 49}
